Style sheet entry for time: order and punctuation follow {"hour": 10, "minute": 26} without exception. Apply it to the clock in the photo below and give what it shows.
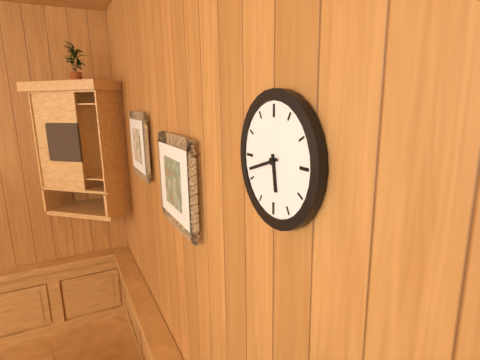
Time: {"hour": 5, "minute": 42}
